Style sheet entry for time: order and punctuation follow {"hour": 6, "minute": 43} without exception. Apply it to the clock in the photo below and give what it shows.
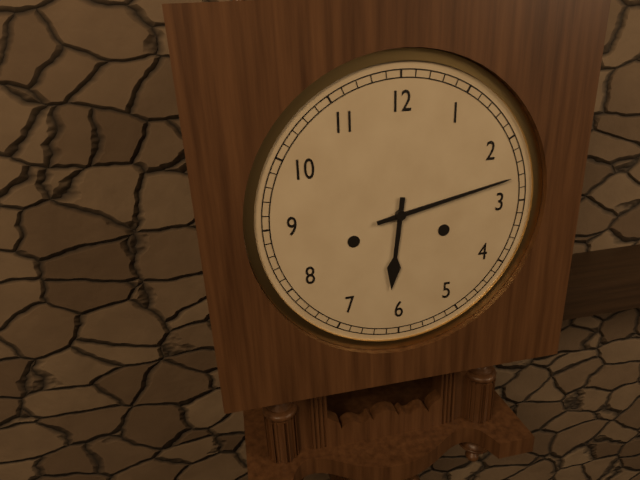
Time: {"hour": 6, "minute": 13}
